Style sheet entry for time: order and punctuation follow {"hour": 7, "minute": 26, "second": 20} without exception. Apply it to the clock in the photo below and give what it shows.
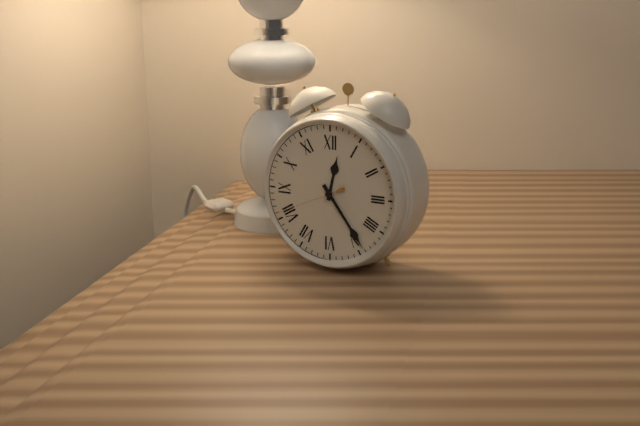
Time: {"hour": 12, "minute": 24, "second": 41}
